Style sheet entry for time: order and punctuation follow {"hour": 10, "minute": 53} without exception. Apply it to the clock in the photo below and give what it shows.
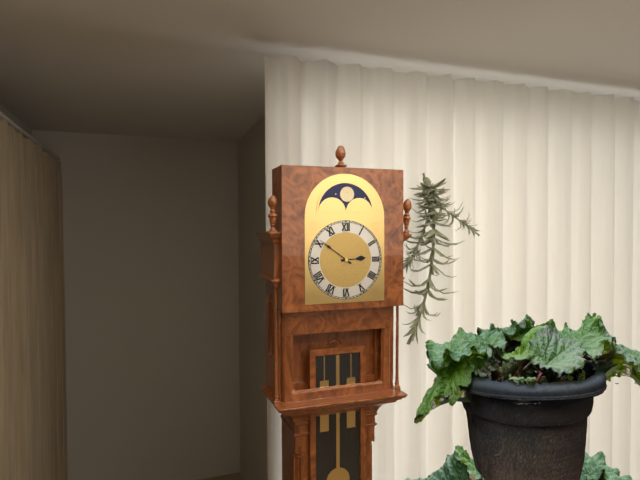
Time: {"hour": 2, "minute": 51}
